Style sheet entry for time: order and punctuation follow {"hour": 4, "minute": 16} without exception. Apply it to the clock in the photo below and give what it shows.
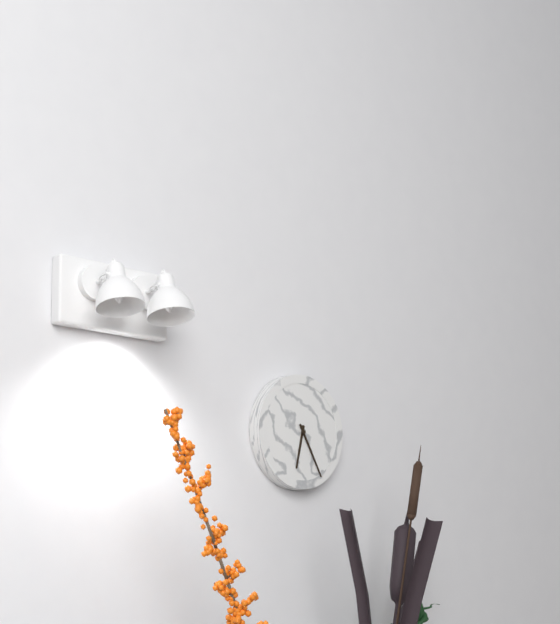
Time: {"hour": 6, "minute": 25}
